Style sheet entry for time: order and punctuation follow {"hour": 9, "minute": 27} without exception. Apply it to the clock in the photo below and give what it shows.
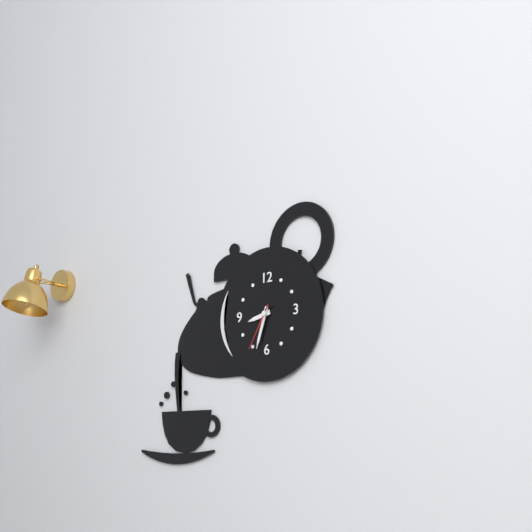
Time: {"hour": 8, "minute": 33}
